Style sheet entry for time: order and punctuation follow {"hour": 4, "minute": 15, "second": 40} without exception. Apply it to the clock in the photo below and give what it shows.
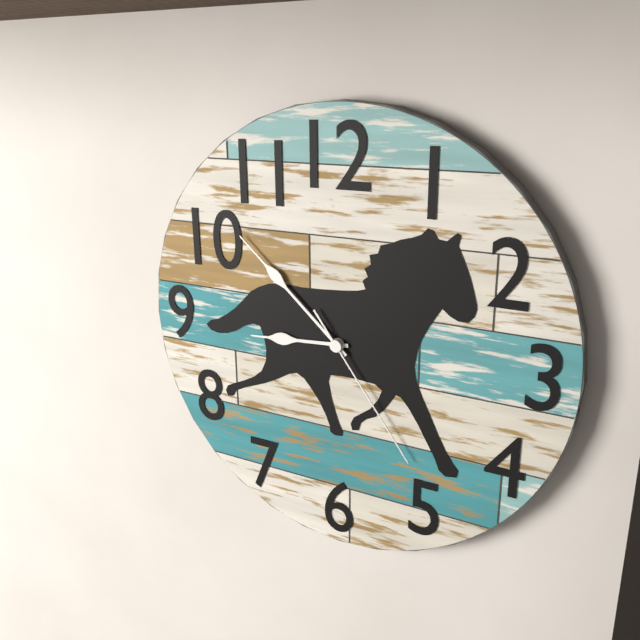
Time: {"hour": 8, "minute": 52, "second": 24}
